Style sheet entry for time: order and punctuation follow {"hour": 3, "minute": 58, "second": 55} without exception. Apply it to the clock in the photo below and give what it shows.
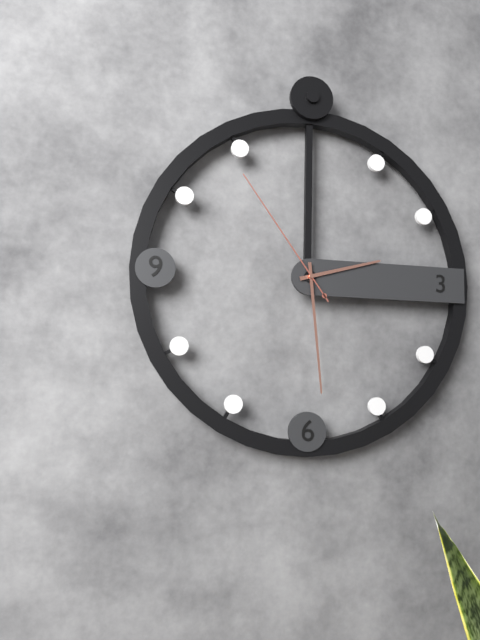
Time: {"hour": 2, "minute": 29, "second": 54}
